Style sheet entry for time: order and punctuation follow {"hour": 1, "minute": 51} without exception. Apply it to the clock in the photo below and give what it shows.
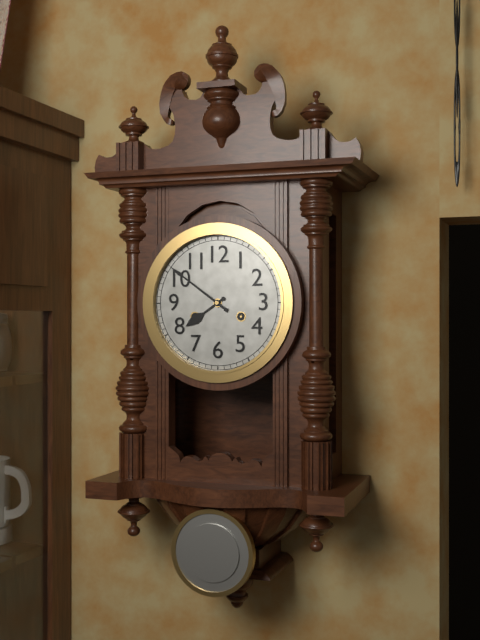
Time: {"hour": 7, "minute": 51}
